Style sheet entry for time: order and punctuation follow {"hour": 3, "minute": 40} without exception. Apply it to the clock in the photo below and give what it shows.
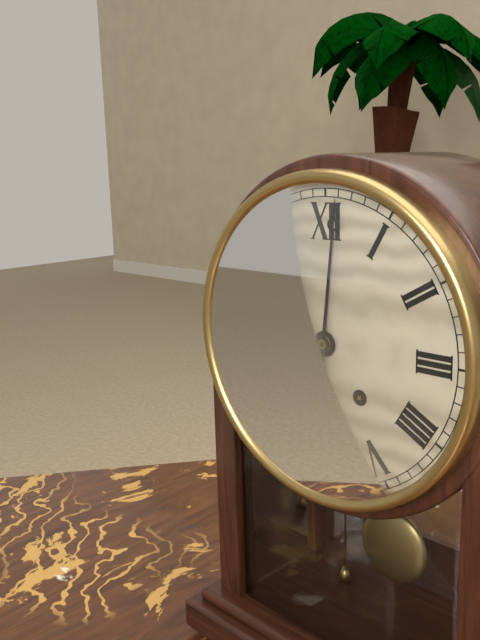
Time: {"hour": 7, "minute": 1}
